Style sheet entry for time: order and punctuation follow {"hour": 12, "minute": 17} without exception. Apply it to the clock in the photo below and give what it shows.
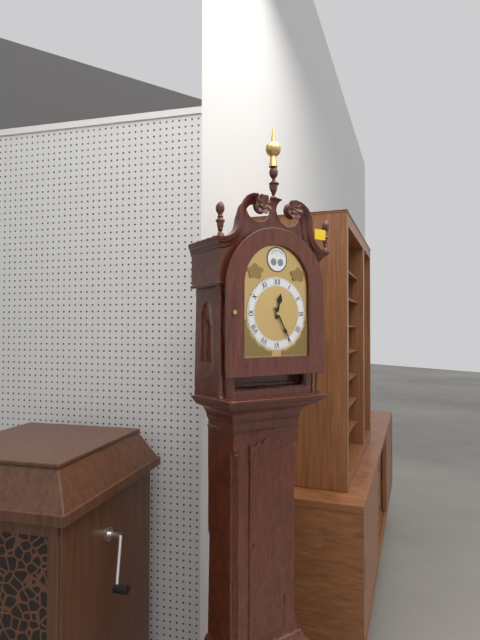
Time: {"hour": 12, "minute": 25}
